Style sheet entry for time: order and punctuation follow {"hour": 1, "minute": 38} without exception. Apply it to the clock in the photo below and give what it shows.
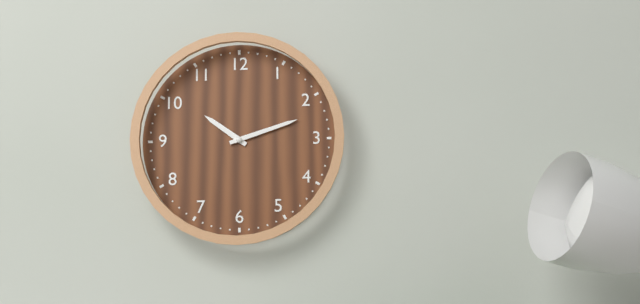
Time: {"hour": 10, "minute": 12}
